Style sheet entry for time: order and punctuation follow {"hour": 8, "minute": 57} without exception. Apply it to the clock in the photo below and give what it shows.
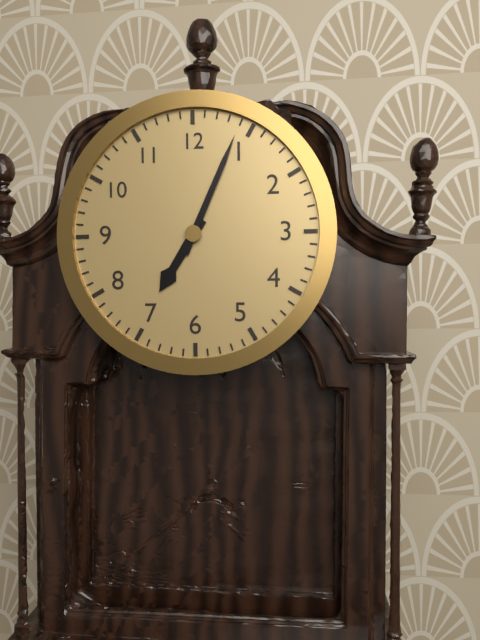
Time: {"hour": 7, "minute": 4}
